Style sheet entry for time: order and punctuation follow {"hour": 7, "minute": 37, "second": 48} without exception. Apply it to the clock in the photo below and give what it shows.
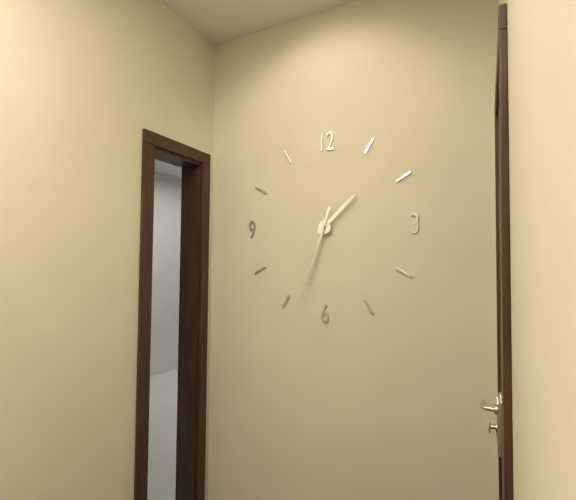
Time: {"hour": 1, "minute": 33, "second": 33}
